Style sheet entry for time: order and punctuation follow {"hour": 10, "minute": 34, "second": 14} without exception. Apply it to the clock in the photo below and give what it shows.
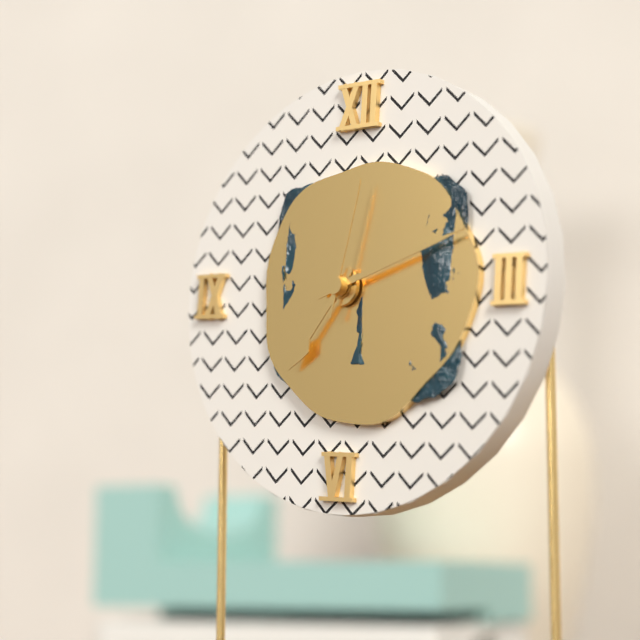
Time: {"hour": 7, "minute": 12, "second": 2}
